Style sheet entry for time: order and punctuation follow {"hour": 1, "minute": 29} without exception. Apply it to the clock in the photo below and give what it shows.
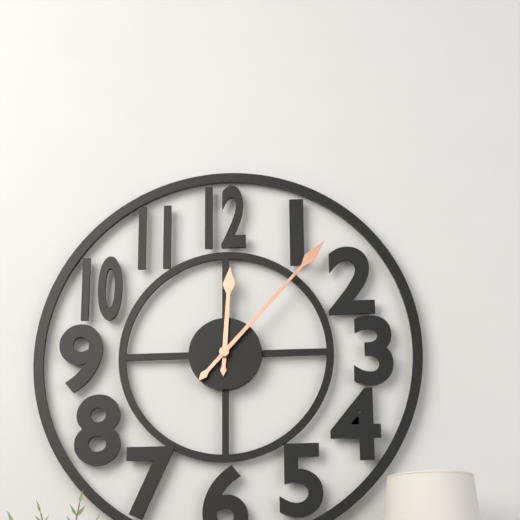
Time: {"hour": 12, "minute": 7}
